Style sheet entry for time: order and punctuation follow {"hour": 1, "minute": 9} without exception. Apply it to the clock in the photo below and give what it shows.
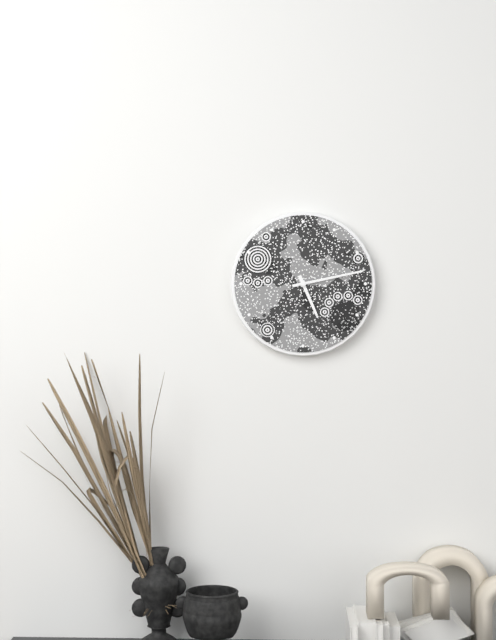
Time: {"hour": 5, "minute": 13}
